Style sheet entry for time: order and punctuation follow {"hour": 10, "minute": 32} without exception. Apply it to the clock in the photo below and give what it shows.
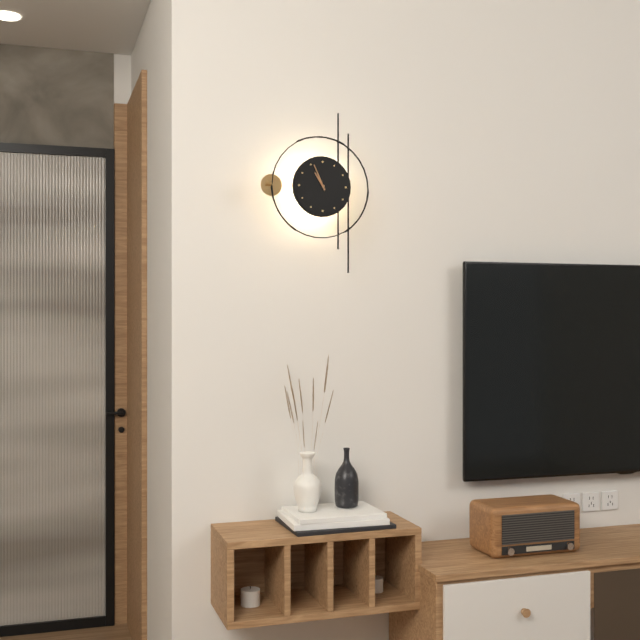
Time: {"hour": 10, "minute": 56}
